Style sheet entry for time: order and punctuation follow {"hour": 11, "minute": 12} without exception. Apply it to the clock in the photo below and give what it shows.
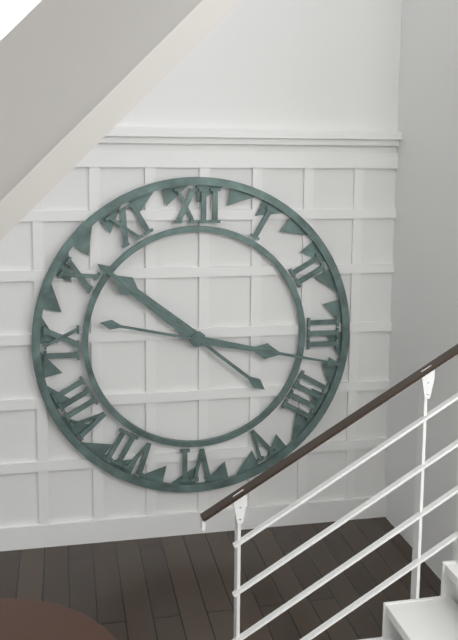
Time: {"hour": 10, "minute": 17}
